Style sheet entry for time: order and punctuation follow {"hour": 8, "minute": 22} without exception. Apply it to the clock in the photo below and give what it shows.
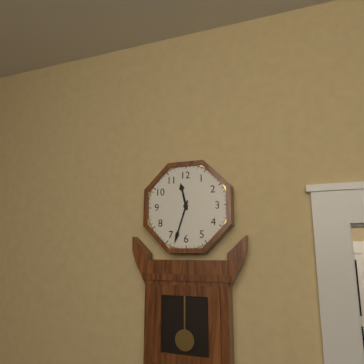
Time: {"hour": 11, "minute": 33}
